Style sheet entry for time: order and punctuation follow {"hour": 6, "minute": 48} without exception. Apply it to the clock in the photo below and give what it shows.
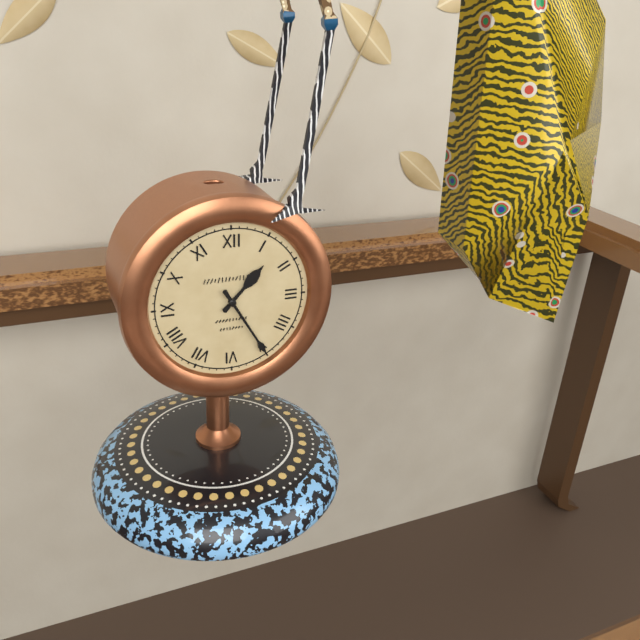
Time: {"hour": 1, "minute": 25}
